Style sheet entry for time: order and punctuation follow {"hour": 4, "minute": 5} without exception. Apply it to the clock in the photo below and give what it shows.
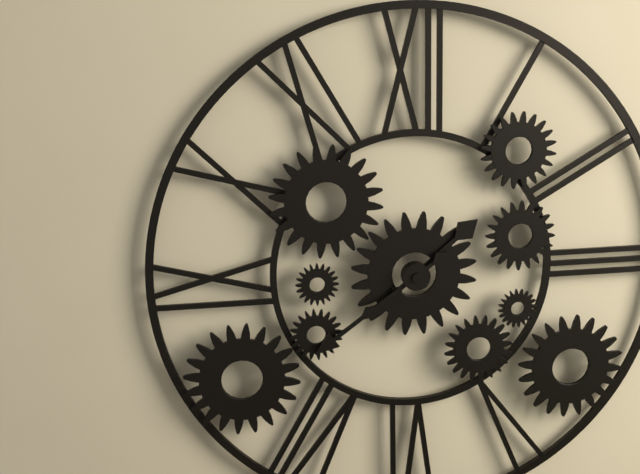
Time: {"hour": 1, "minute": 39}
